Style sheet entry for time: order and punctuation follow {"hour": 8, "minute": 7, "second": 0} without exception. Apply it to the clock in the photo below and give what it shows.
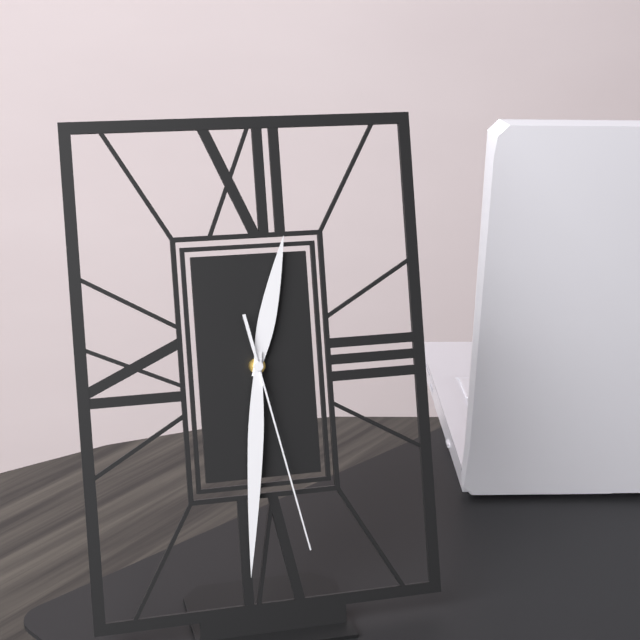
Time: {"hour": 12, "minute": 31, "second": 28}
